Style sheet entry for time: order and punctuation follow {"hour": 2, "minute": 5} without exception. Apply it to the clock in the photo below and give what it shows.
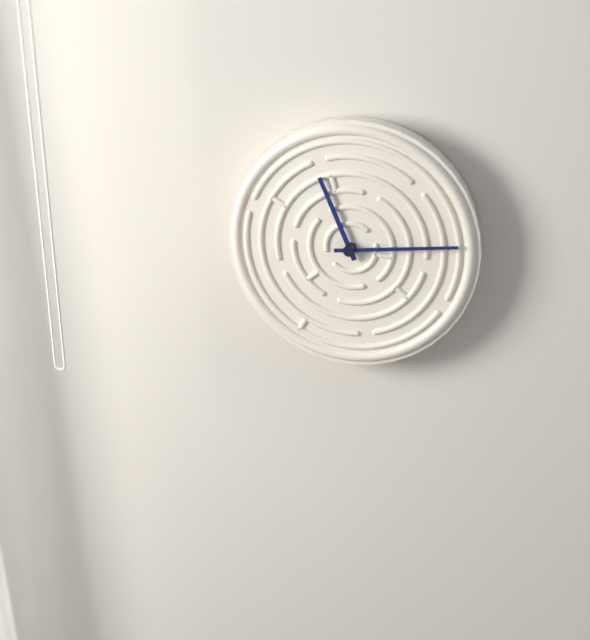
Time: {"hour": 11, "minute": 14}
